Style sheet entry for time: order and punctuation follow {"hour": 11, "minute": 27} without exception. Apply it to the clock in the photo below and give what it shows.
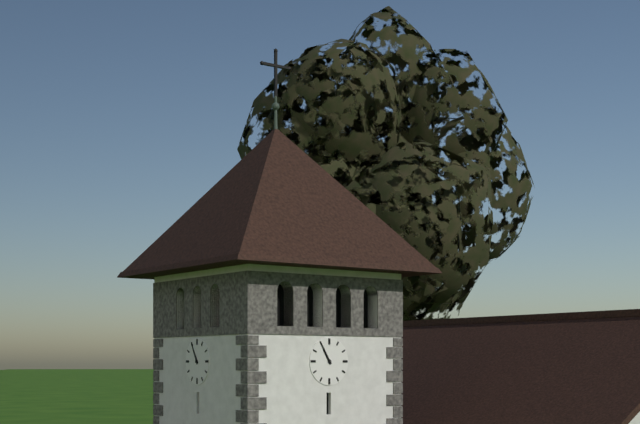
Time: {"hour": 10, "minute": 55}
